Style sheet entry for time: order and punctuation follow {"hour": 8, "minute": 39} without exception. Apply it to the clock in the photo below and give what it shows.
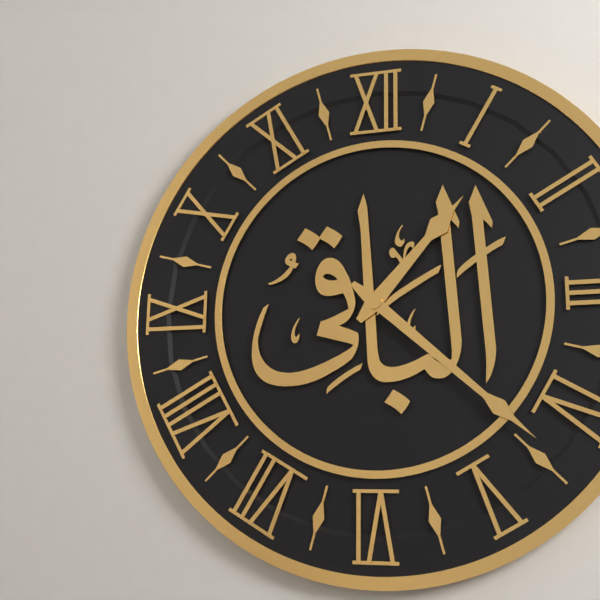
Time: {"hour": 1, "minute": 22}
